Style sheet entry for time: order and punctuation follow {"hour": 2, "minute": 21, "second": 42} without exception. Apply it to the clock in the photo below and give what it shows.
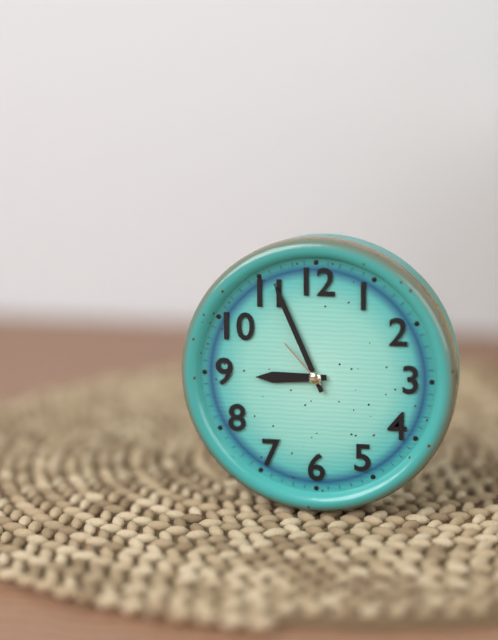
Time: {"hour": 8, "minute": 56, "second": 53}
